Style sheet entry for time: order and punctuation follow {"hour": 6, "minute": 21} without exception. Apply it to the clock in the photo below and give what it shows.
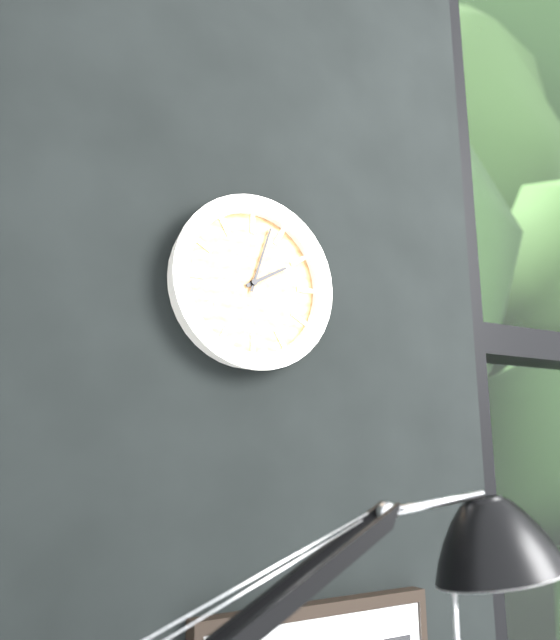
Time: {"hour": 2, "minute": 3}
